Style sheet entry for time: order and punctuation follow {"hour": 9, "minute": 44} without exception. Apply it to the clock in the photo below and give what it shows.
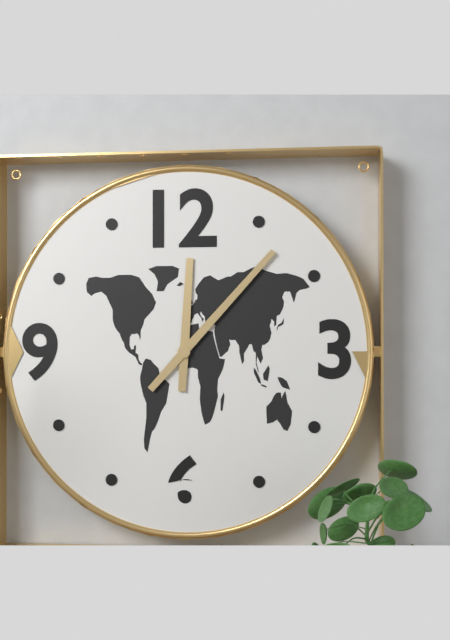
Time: {"hour": 12, "minute": 7}
